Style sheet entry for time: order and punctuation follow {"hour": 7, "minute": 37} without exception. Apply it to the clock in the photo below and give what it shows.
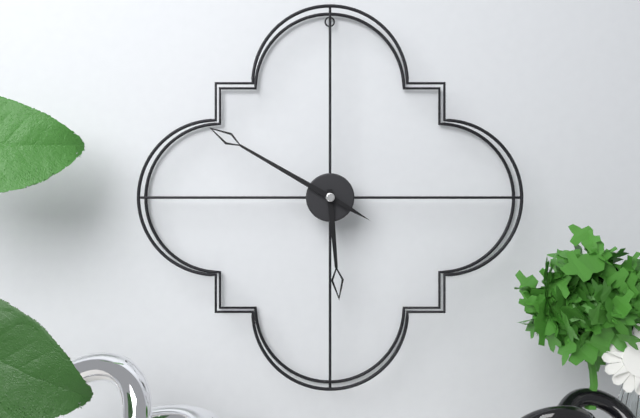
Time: {"hour": 5, "minute": 50}
